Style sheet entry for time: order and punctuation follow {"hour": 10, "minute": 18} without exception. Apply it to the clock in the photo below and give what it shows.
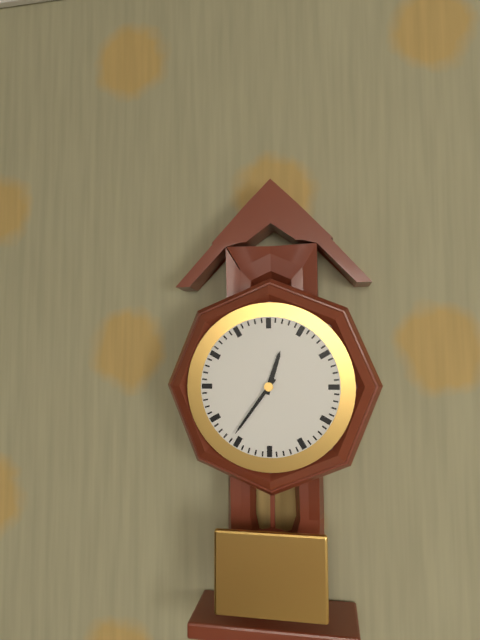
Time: {"hour": 12, "minute": 36}
